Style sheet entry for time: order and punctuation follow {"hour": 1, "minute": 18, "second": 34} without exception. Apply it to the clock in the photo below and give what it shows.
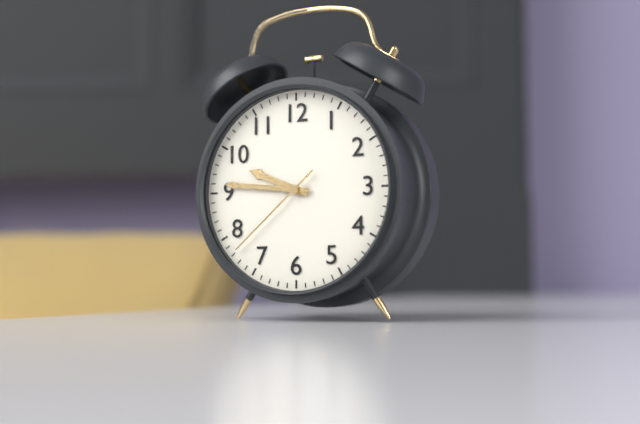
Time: {"hour": 9, "minute": 46, "second": 38}
